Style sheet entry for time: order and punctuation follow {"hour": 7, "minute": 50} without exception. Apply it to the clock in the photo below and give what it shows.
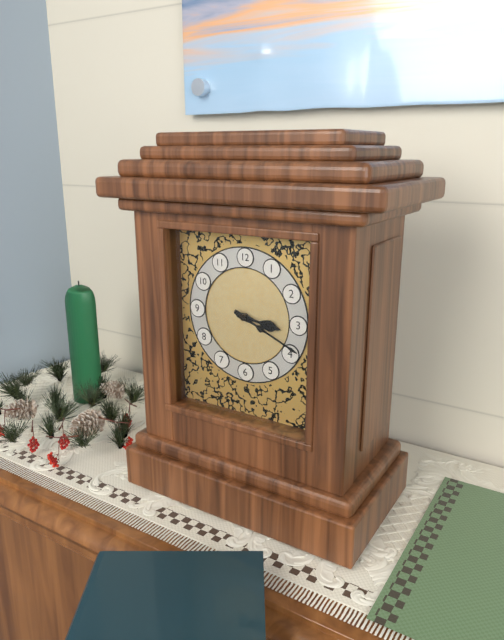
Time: {"hour": 3, "minute": 19}
